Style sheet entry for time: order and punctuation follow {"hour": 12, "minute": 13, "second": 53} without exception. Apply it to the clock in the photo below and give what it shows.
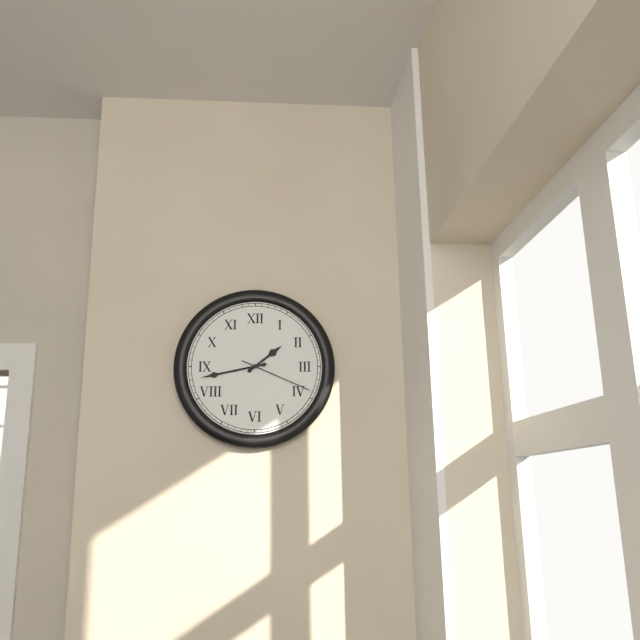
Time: {"hour": 1, "minute": 43, "second": 19}
